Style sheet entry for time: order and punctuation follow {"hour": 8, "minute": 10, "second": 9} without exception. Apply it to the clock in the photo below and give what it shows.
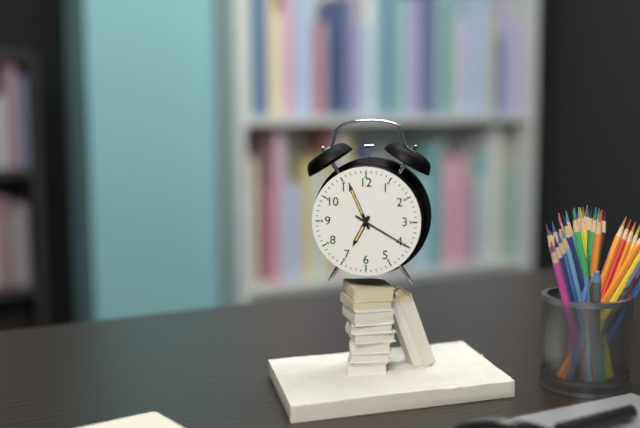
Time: {"hour": 6, "minute": 56, "second": 20}
